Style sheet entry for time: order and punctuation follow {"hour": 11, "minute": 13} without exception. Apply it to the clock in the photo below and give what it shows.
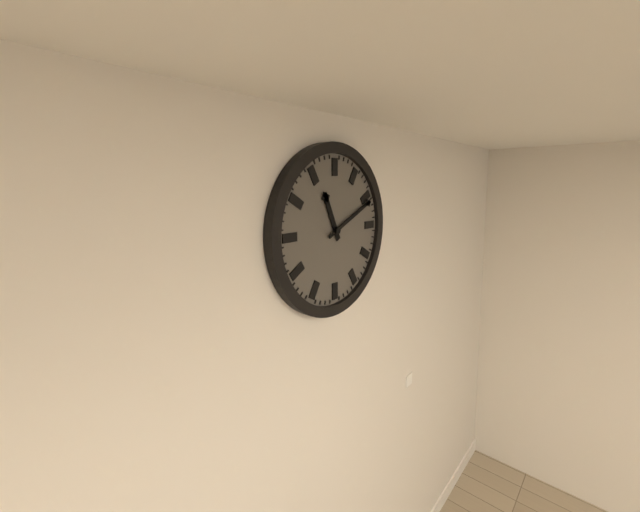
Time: {"hour": 11, "minute": 11}
